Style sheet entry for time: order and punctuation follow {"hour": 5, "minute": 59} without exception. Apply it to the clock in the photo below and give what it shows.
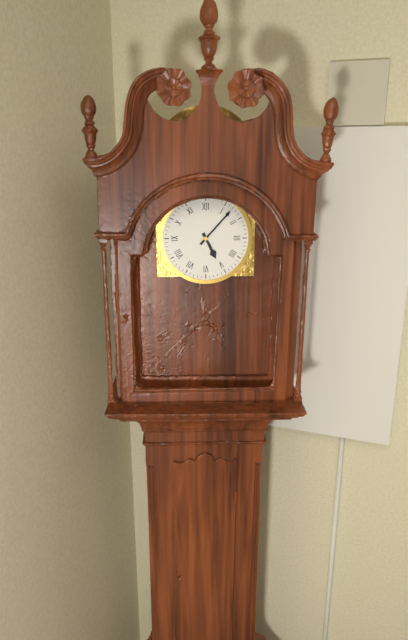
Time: {"hour": 5, "minute": 7}
